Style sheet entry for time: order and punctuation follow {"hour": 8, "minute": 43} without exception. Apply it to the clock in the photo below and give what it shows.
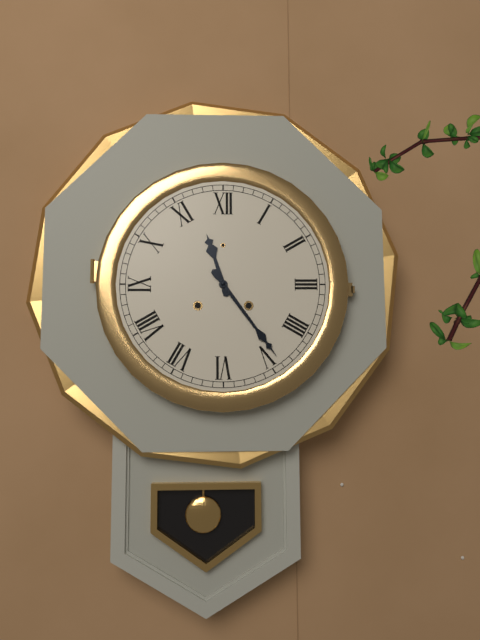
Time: {"hour": 11, "minute": 24}
